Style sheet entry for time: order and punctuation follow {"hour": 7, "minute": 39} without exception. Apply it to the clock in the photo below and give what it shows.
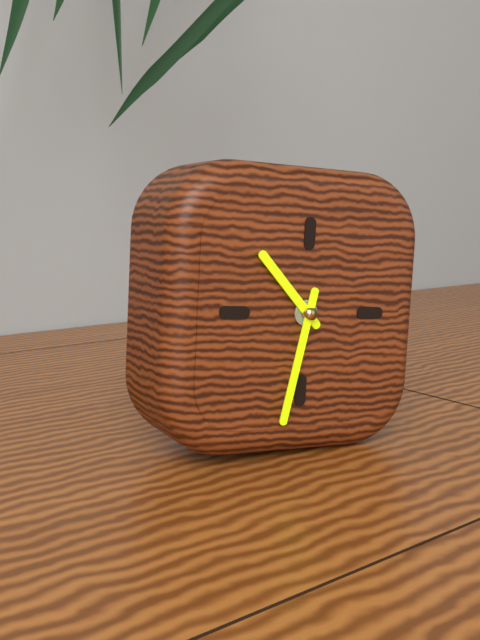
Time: {"hour": 10, "minute": 32}
